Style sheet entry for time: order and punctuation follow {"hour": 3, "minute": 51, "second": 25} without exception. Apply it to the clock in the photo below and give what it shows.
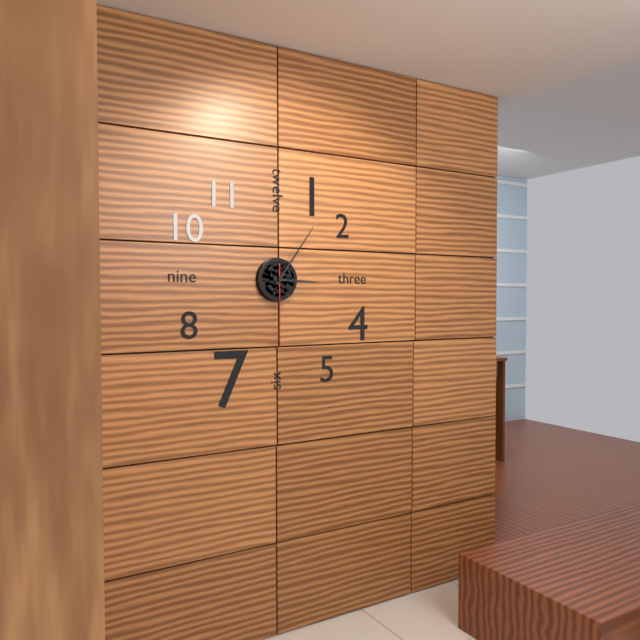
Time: {"hour": 3, "minute": 6, "second": 30}
